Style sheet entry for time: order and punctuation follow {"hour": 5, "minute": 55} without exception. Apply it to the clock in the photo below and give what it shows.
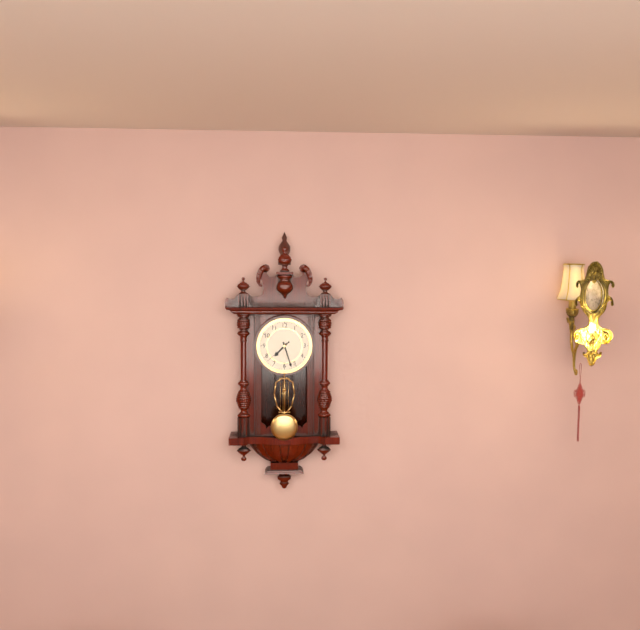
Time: {"hour": 7, "minute": 27}
